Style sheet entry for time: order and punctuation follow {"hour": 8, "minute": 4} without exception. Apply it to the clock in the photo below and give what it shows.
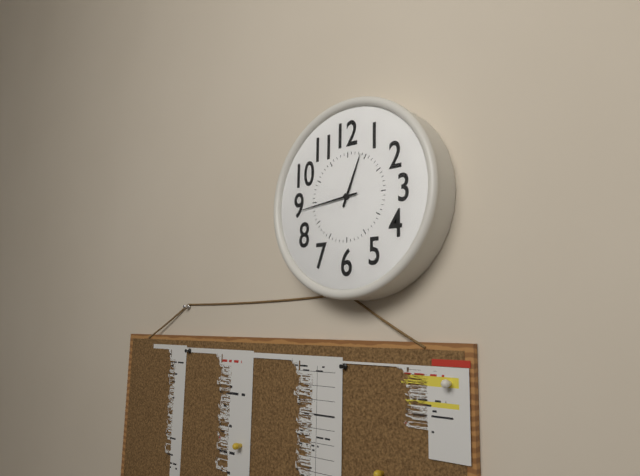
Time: {"hour": 12, "minute": 44}
